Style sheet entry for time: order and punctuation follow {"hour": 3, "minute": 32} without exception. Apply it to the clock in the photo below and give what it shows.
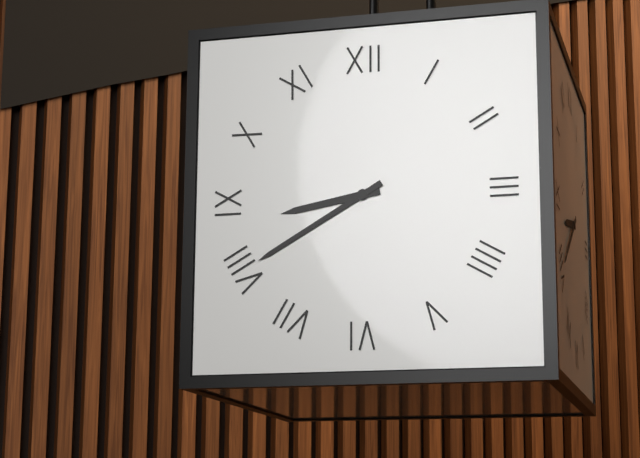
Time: {"hour": 8, "minute": 40}
